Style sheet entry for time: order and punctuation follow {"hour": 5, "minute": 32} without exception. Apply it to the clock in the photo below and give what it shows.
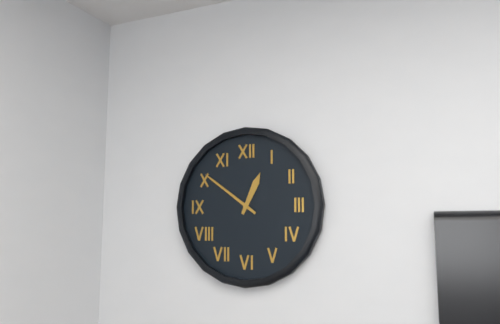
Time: {"hour": 12, "minute": 51}
